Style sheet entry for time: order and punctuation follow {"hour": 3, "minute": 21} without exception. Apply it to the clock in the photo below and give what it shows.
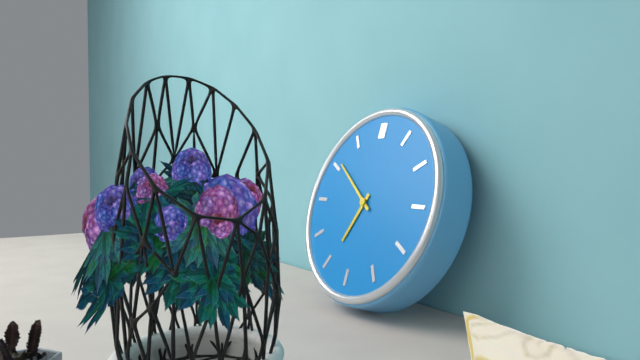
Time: {"hour": 6, "minute": 51}
